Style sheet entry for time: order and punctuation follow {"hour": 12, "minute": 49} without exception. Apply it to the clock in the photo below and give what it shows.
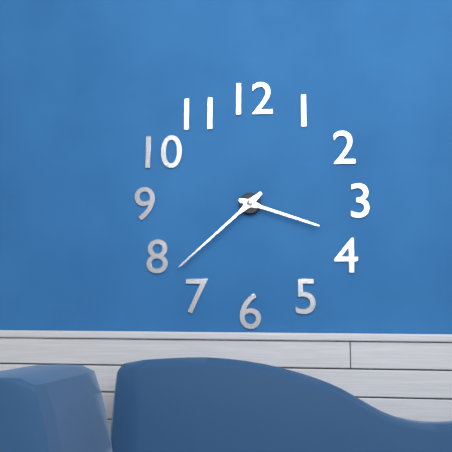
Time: {"hour": 3, "minute": 38}
